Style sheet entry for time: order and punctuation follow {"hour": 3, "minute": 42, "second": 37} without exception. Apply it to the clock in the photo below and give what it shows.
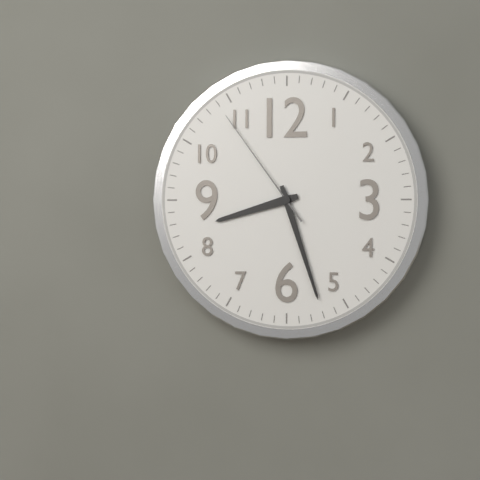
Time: {"hour": 8, "minute": 27, "second": 54}
